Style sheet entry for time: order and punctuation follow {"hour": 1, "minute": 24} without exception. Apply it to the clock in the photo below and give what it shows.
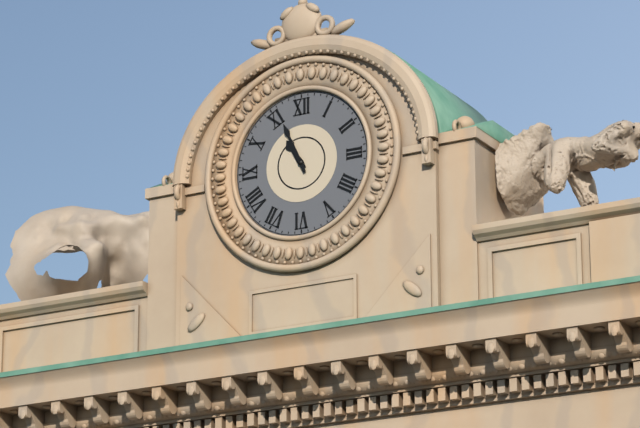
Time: {"hour": 10, "minute": 56}
